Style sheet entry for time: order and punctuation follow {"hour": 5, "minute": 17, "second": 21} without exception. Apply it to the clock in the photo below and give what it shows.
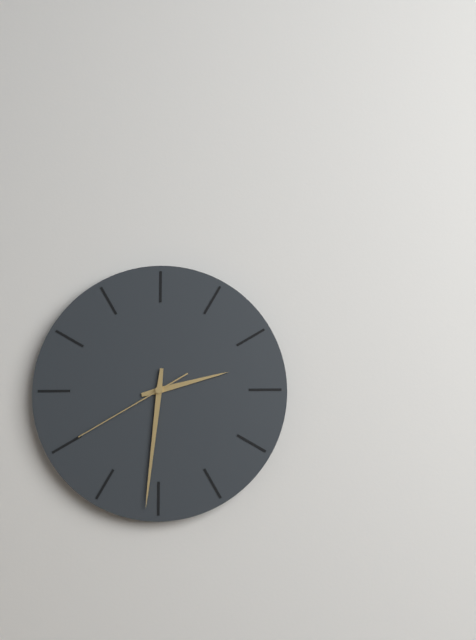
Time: {"hour": 2, "minute": 31, "second": 40}
